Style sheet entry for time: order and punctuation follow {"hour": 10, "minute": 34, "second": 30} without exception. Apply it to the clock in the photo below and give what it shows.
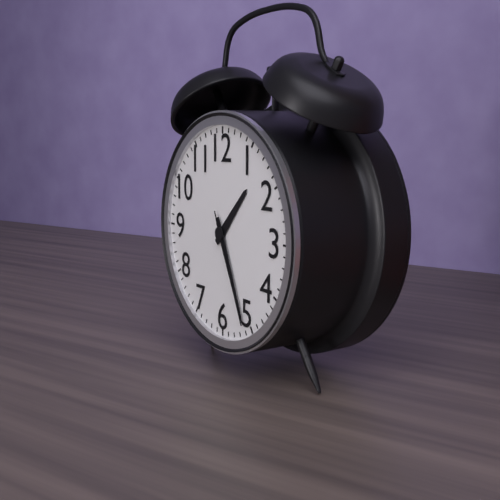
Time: {"hour": 1, "minute": 26, "second": 26}
